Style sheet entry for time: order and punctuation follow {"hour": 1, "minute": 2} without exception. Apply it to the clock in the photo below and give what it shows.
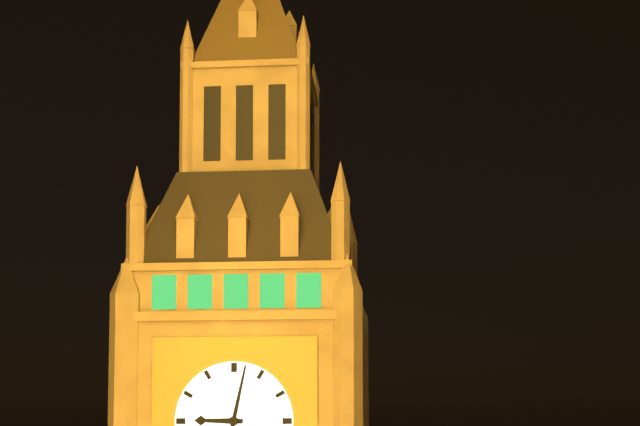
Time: {"hour": 9, "minute": 2}
